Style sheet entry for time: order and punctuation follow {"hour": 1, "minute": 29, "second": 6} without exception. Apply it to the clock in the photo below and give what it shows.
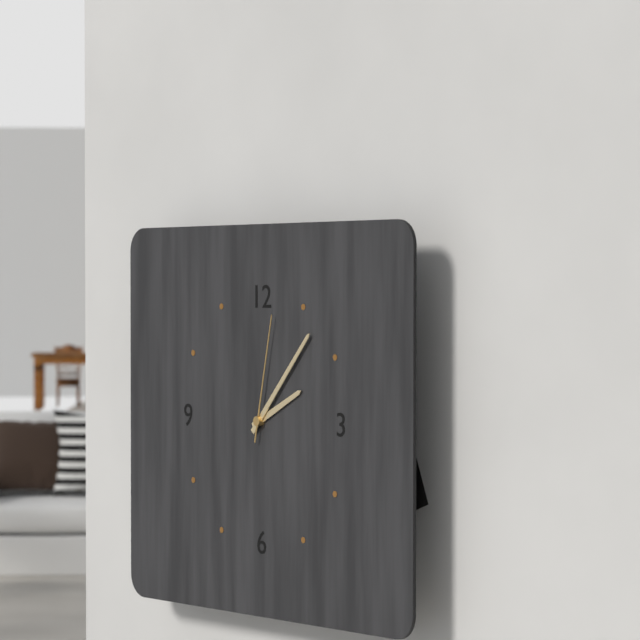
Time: {"hour": 2, "minute": 7, "second": 2}
